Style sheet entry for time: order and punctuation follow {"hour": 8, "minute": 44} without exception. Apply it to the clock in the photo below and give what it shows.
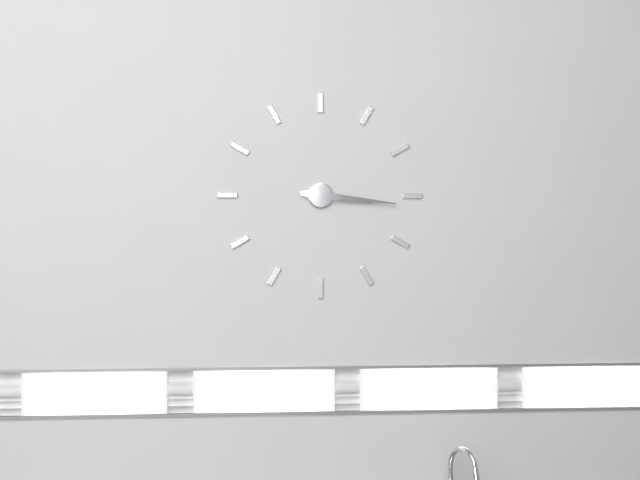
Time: {"hour": 3, "minute": 16}
